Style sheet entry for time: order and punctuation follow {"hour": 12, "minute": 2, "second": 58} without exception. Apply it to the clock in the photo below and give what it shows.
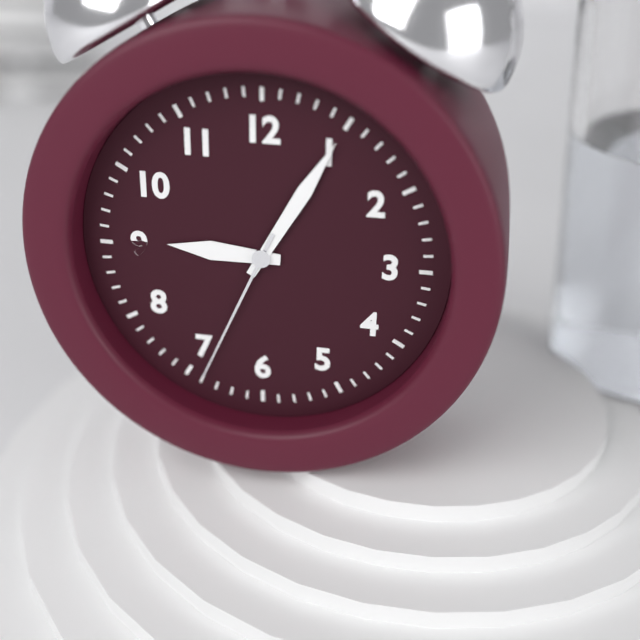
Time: {"hour": 9, "minute": 5, "second": 34}
